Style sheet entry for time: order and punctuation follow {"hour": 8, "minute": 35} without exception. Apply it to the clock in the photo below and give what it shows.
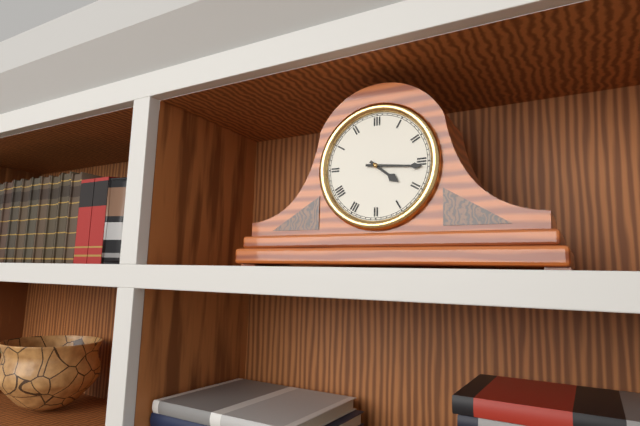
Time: {"hour": 4, "minute": 16}
